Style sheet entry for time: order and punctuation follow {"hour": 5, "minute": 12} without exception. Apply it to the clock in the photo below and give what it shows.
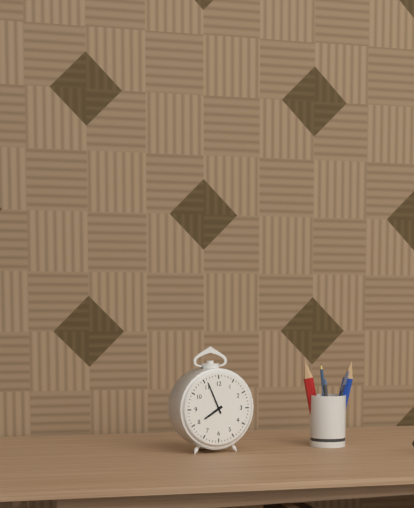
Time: {"hour": 7, "minute": 56}
